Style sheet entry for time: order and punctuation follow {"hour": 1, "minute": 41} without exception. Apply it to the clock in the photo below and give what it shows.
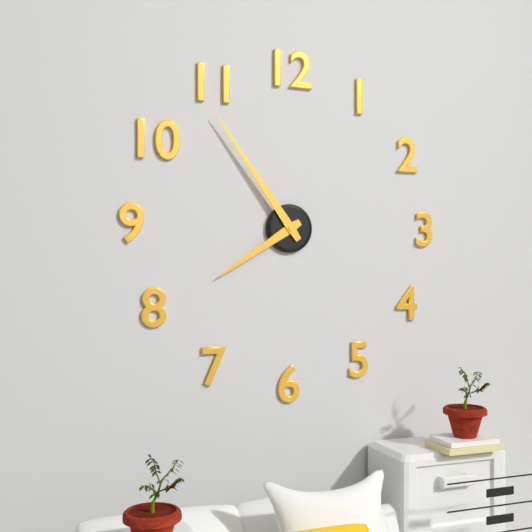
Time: {"hour": 7, "minute": 54}
